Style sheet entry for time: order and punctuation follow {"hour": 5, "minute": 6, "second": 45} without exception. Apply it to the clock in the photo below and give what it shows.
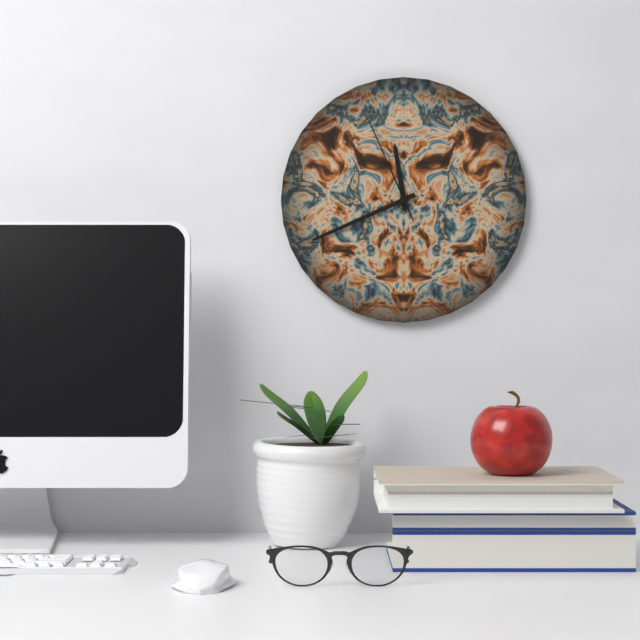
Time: {"hour": 11, "minute": 41, "second": 56}
